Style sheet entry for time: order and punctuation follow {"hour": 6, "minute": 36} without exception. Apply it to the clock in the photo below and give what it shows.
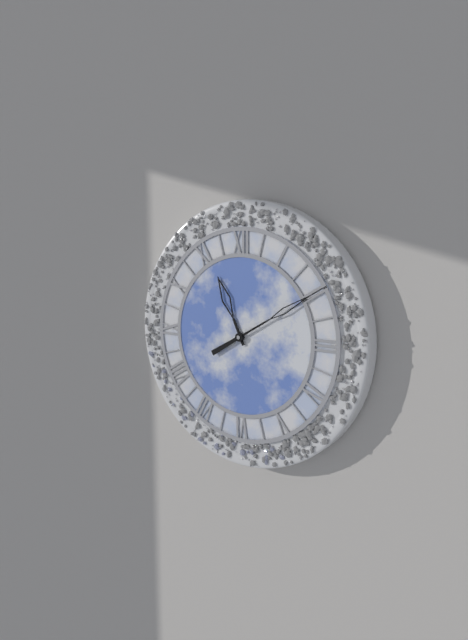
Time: {"hour": 11, "minute": 10}
